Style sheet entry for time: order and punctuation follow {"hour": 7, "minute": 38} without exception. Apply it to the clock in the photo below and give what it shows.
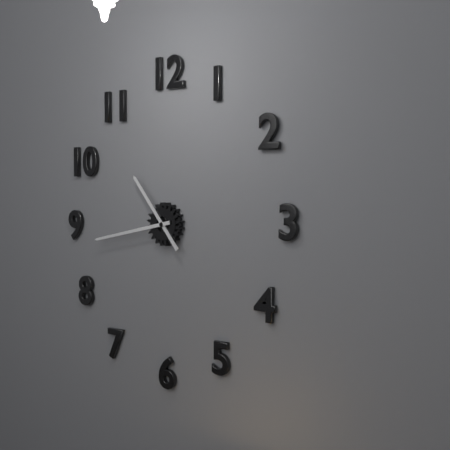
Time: {"hour": 10, "minute": 43}
